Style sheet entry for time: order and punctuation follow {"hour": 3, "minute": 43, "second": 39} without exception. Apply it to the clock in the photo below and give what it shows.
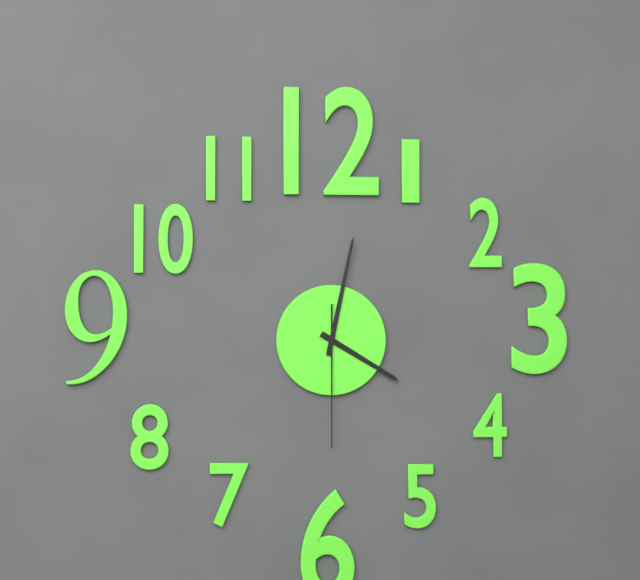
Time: {"hour": 4, "minute": 2, "second": 30}
